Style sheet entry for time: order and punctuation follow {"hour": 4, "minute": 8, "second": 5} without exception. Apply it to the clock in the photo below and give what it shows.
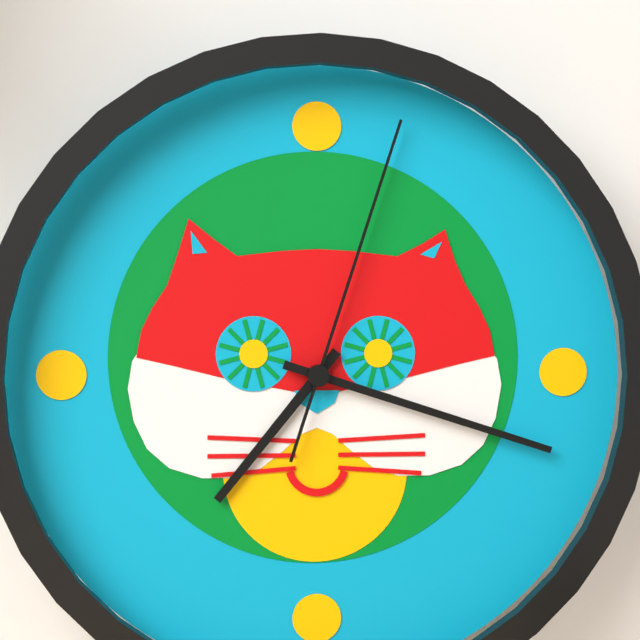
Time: {"hour": 7, "minute": 18, "second": 3}
